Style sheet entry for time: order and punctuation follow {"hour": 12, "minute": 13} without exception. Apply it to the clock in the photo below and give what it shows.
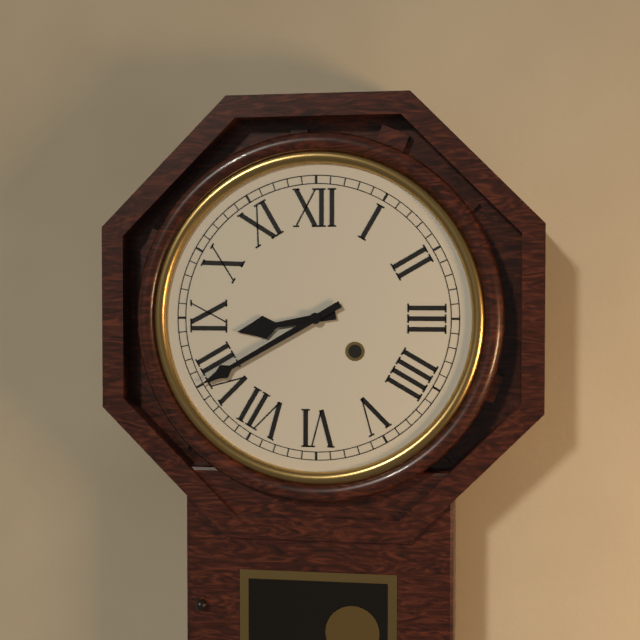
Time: {"hour": 8, "minute": 40}
